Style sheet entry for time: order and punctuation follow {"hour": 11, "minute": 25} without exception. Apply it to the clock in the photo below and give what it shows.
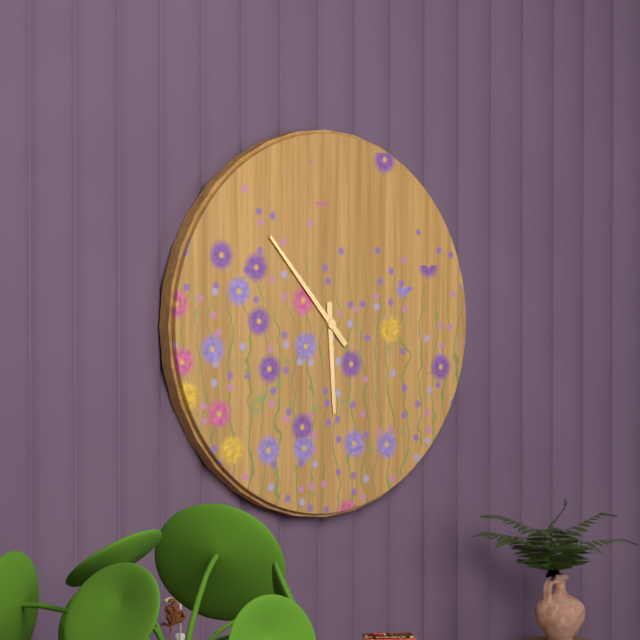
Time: {"hour": 5, "minute": 53}
